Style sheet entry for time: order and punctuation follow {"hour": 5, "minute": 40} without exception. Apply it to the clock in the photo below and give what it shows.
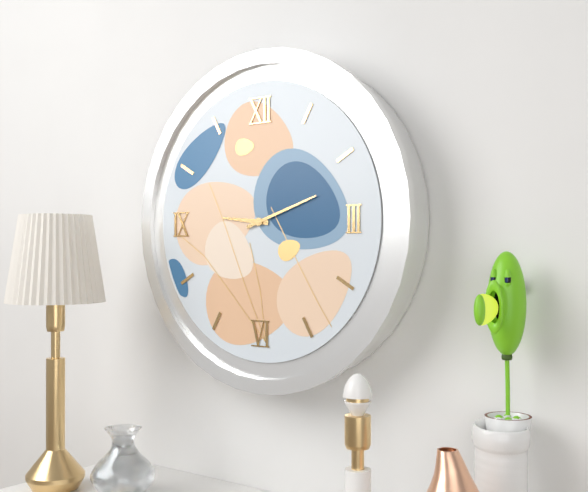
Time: {"hour": 9, "minute": 12}
